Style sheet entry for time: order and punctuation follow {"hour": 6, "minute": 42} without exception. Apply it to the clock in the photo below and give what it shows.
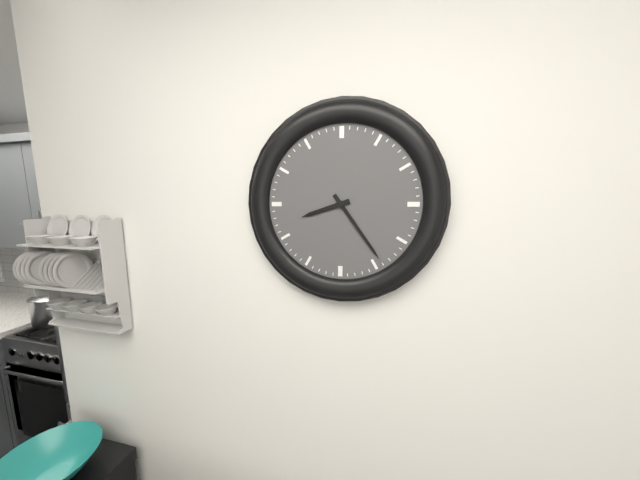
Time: {"hour": 8, "minute": 24}
